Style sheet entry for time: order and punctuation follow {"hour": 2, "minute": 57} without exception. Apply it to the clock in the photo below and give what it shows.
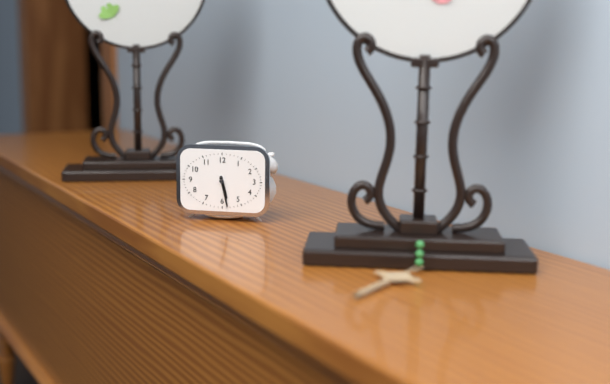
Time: {"hour": 5, "minute": 28}
